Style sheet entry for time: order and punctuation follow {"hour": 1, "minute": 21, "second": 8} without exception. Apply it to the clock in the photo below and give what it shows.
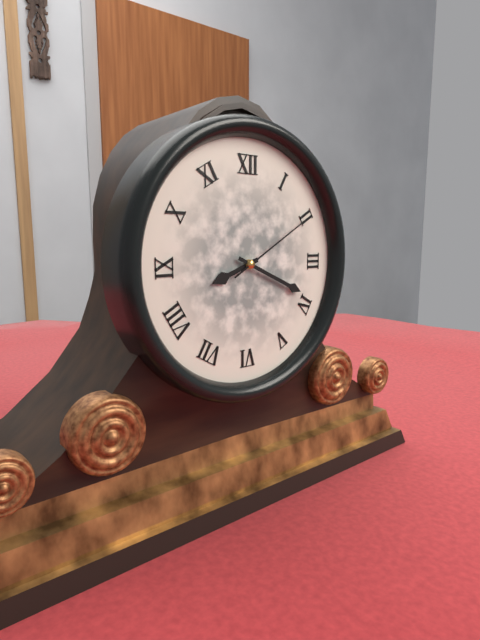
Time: {"hour": 8, "minute": 19, "second": 10}
